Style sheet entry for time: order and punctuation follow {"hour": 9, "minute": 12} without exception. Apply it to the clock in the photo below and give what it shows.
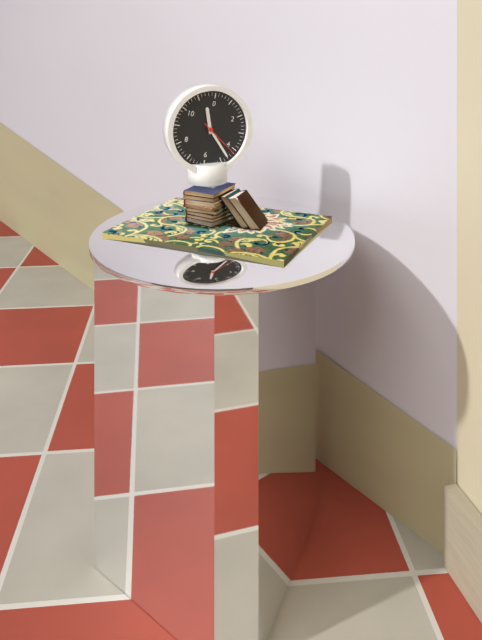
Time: {"hour": 11, "minute": 23}
